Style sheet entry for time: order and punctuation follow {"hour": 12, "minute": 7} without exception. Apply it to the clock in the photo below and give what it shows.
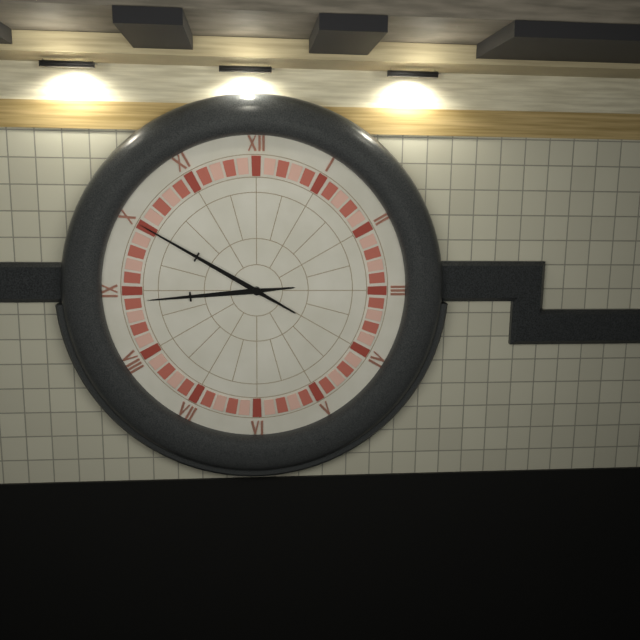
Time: {"hour": 8, "minute": 50}
